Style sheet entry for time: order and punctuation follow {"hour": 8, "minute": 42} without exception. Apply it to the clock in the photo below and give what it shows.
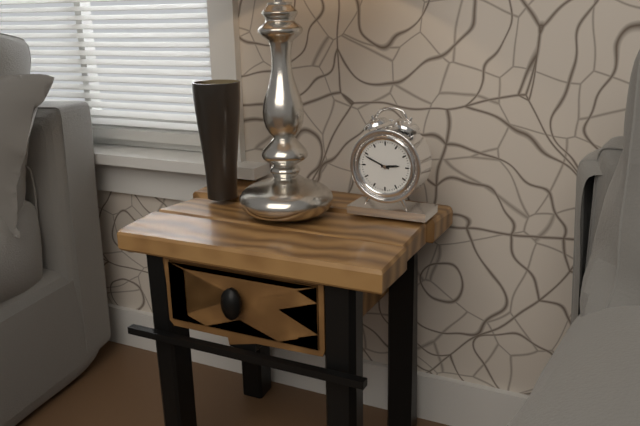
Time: {"hour": 2, "minute": 49}
